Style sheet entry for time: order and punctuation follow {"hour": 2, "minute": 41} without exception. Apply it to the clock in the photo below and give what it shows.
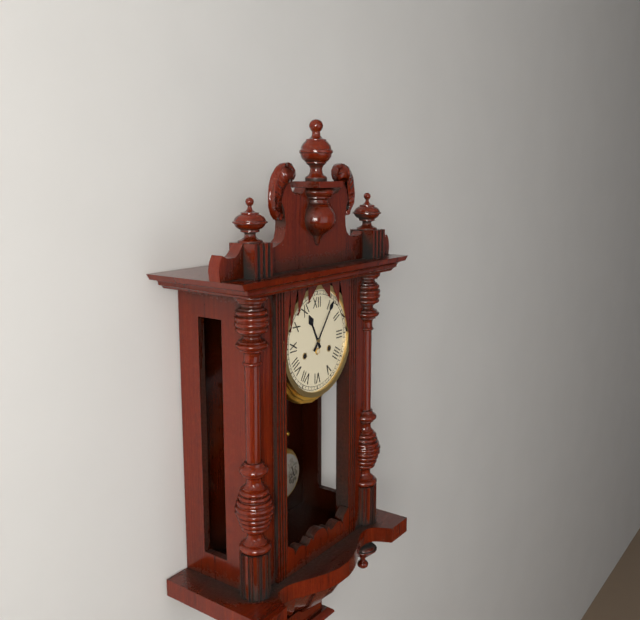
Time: {"hour": 11, "minute": 6}
